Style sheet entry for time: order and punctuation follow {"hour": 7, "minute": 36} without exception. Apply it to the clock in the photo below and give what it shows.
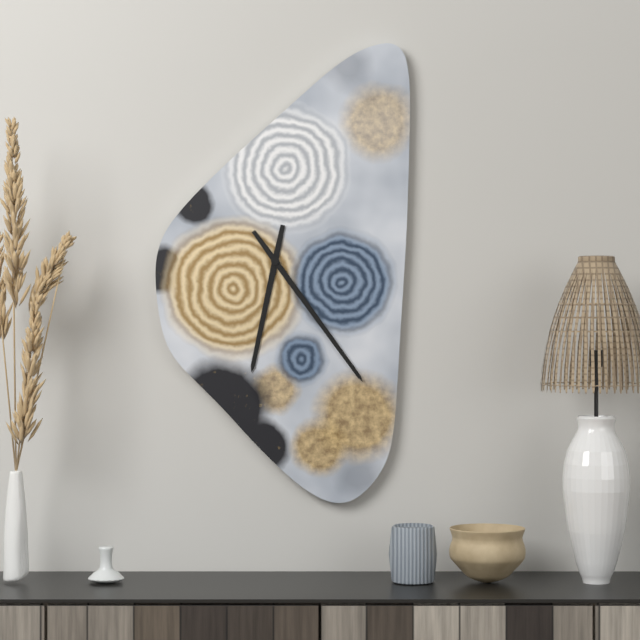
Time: {"hour": 6, "minute": 24}
